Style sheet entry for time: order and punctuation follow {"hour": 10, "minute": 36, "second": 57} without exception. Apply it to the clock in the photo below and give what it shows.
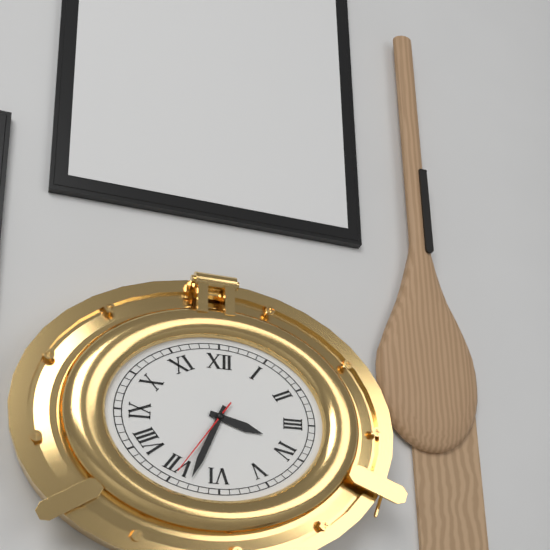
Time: {"hour": 3, "minute": 34, "second": 36}
